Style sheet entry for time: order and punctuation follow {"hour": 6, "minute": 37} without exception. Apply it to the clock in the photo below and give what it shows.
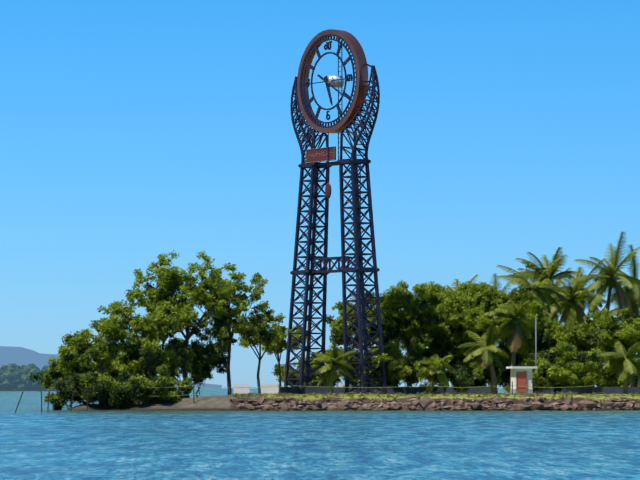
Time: {"hour": 5, "minute": 20}
